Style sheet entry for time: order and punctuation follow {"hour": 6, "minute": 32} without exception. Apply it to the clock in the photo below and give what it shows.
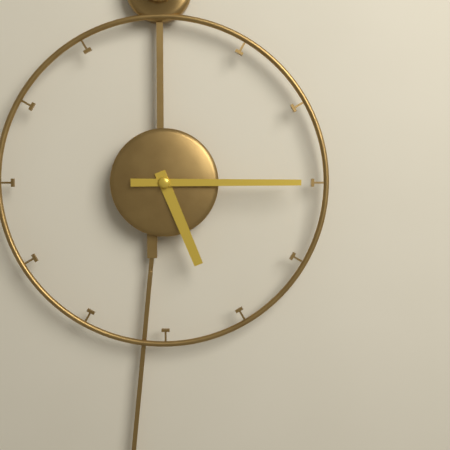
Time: {"hour": 5, "minute": 15}
